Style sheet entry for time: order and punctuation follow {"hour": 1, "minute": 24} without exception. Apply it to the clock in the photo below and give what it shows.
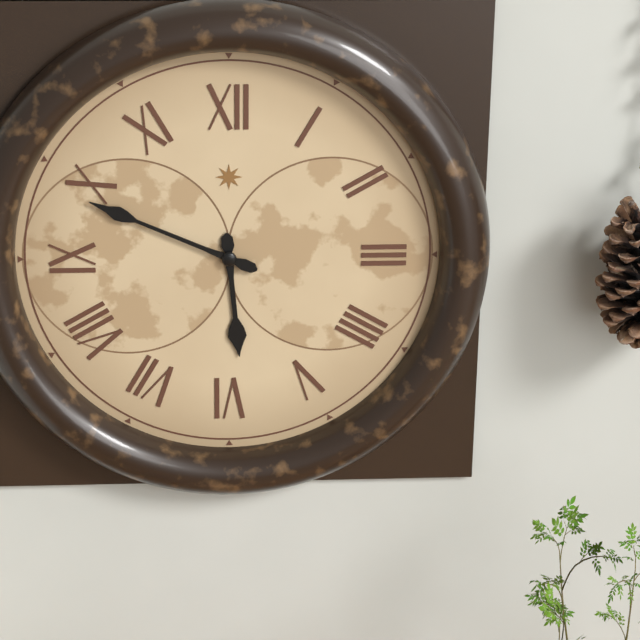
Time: {"hour": 5, "minute": 49}
